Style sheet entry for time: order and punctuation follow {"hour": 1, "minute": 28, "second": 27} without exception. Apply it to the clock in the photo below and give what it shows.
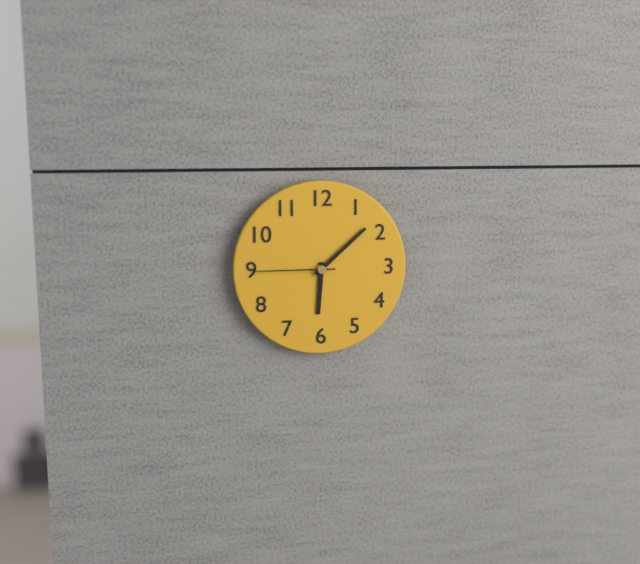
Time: {"hour": 6, "minute": 8, "second": 45}
